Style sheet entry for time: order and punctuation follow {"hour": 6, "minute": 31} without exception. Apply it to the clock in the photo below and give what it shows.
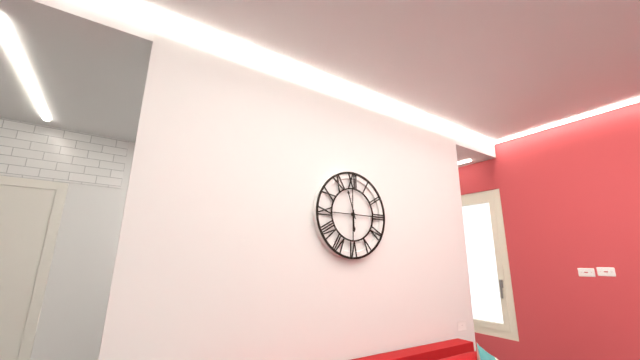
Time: {"hour": 5, "minute": 57}
